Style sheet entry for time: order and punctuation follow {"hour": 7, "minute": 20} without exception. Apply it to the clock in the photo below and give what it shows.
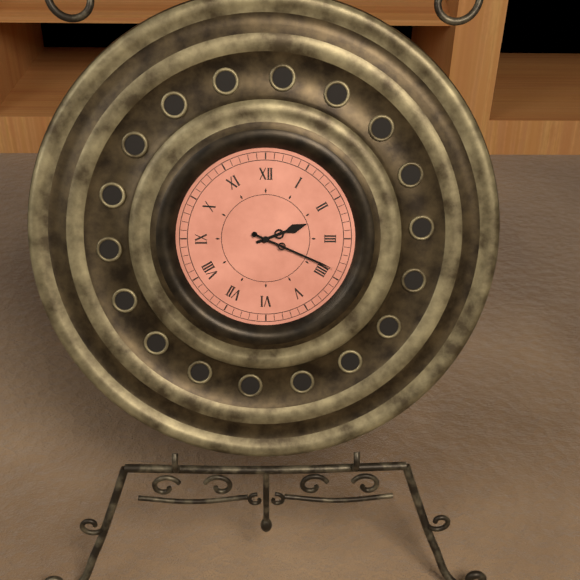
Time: {"hour": 2, "minute": 19}
